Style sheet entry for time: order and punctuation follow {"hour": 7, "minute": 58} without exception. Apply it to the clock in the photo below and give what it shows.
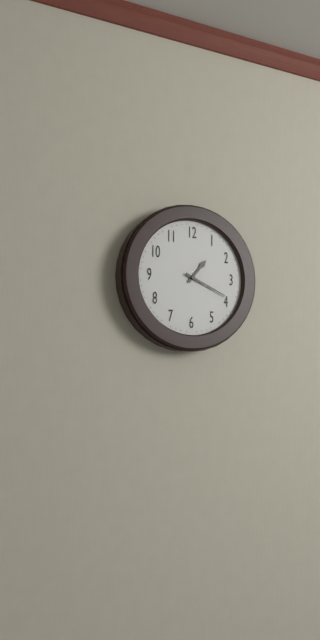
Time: {"hour": 1, "minute": 19}
